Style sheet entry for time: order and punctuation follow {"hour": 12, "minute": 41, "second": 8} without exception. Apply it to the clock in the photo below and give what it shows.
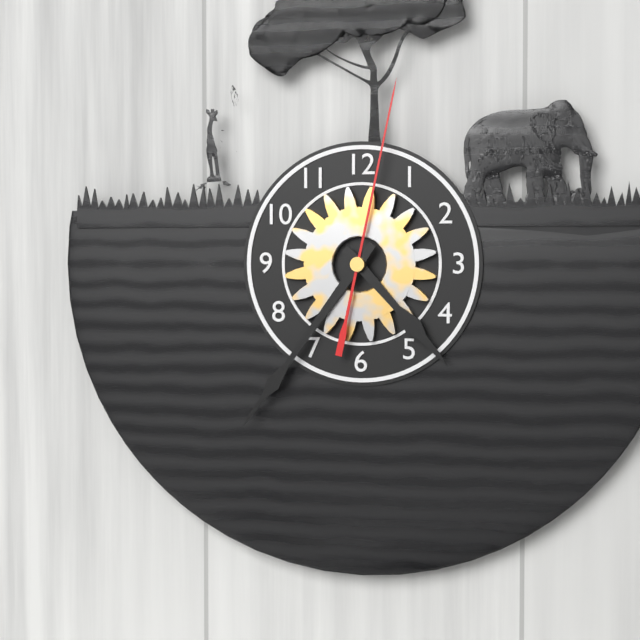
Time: {"hour": 4, "minute": 36, "second": 2}
